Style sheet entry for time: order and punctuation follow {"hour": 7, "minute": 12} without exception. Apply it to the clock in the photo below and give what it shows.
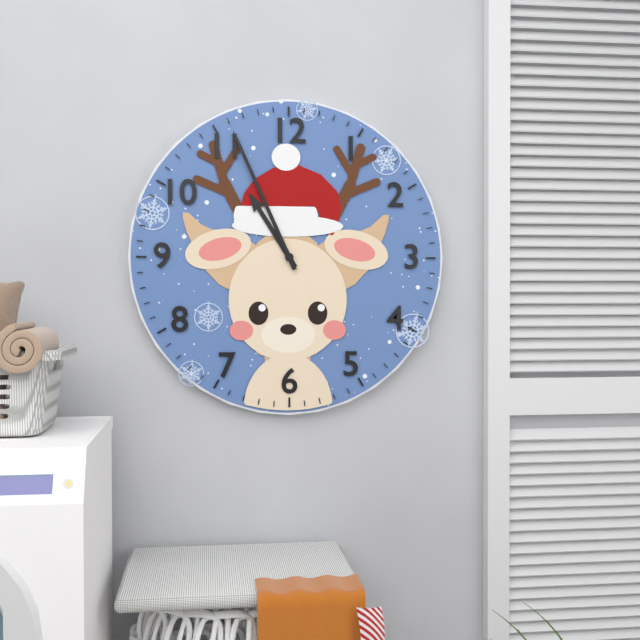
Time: {"hour": 10, "minute": 56}
